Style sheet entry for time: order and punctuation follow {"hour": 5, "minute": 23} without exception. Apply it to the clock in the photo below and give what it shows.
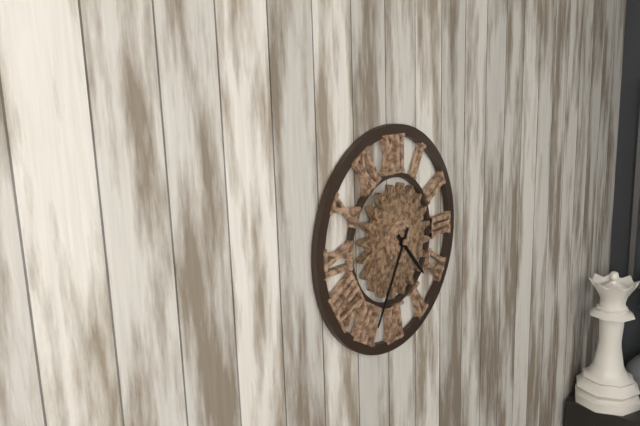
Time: {"hour": 4, "minute": 35}
